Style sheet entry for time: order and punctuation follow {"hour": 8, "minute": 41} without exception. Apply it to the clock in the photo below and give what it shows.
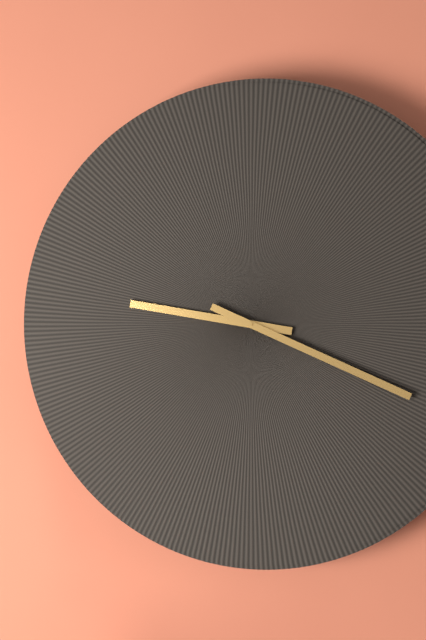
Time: {"hour": 9, "minute": 19}
